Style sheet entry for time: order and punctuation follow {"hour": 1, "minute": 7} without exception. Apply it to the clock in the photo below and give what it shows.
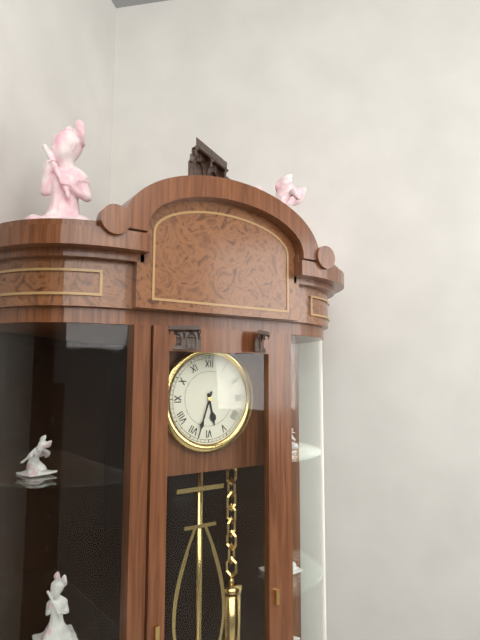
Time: {"hour": 5, "minute": 33}
